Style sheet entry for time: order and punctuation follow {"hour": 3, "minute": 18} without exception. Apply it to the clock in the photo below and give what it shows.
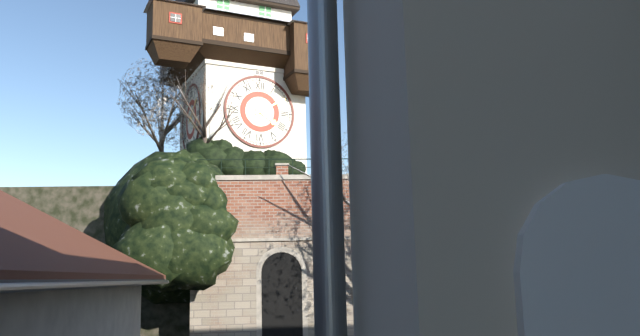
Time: {"hour": 4, "minute": 10}
